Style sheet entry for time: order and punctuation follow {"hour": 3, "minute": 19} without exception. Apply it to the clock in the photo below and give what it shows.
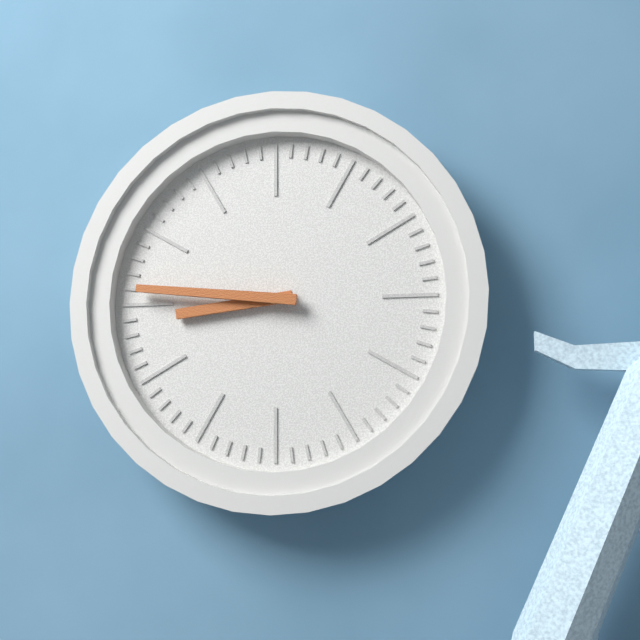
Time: {"hour": 8, "minute": 46}
